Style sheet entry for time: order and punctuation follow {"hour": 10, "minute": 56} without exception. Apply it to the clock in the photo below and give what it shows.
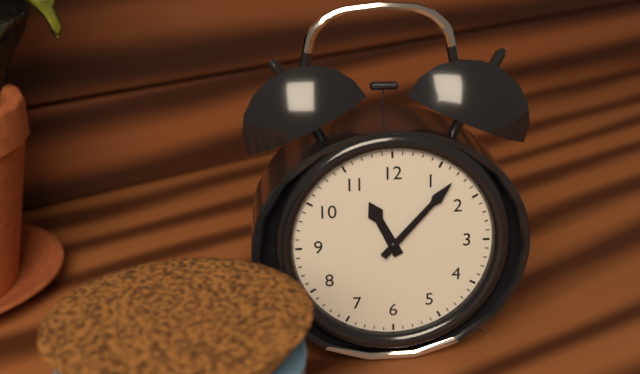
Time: {"hour": 11, "minute": 7}
